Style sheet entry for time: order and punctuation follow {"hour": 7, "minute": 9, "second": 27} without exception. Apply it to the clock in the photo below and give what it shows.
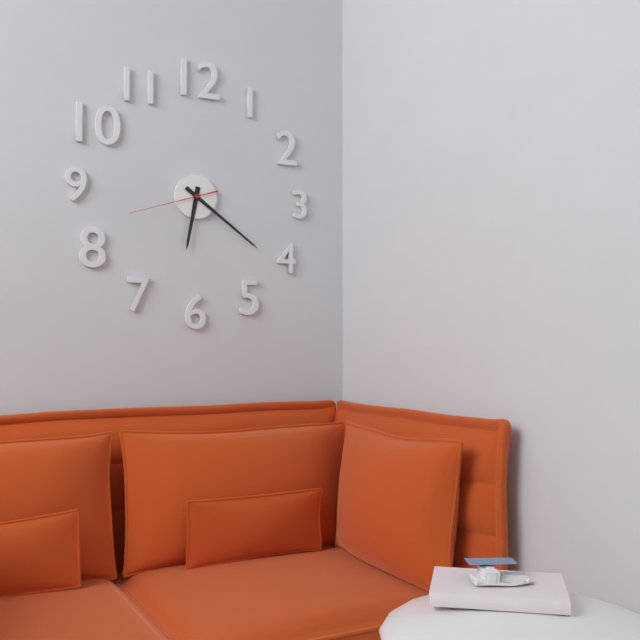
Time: {"hour": 6, "minute": 21, "second": 42}
